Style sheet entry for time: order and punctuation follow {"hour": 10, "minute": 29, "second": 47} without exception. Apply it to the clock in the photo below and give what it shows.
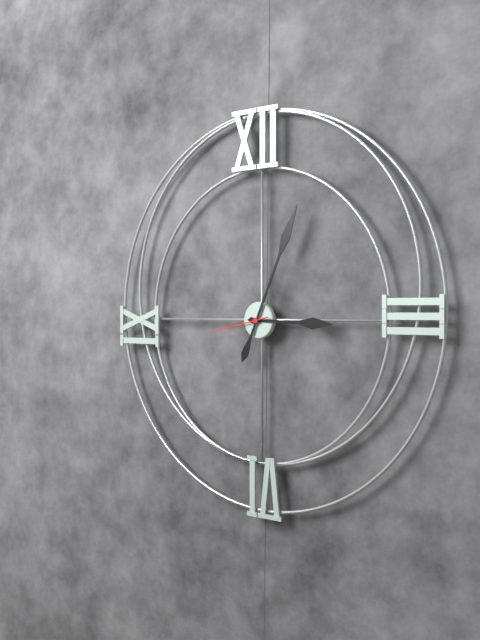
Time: {"hour": 3, "minute": 4, "second": 43}
